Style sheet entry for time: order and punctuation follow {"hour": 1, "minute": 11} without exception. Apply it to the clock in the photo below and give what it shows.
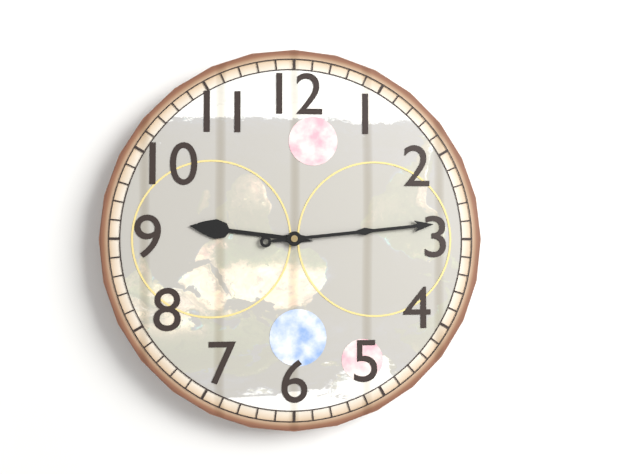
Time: {"hour": 9, "minute": 14}
